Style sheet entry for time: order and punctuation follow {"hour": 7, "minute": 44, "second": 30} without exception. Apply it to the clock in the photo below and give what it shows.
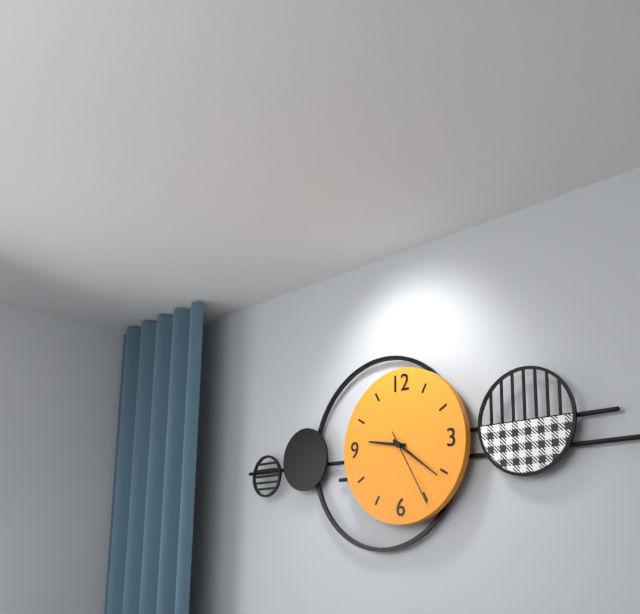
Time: {"hour": 9, "minute": 21, "second": 25}
